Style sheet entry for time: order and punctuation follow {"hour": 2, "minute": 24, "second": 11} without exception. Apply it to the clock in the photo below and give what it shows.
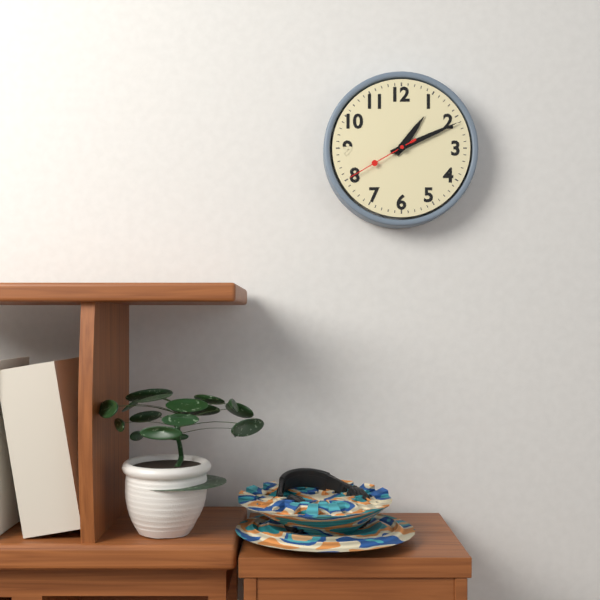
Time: {"hour": 1, "minute": 11, "second": 40}
